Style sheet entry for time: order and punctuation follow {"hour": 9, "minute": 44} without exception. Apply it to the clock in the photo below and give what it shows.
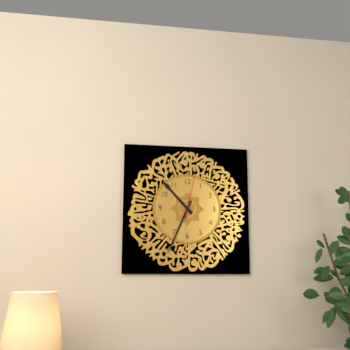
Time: {"hour": 10, "minute": 34}
